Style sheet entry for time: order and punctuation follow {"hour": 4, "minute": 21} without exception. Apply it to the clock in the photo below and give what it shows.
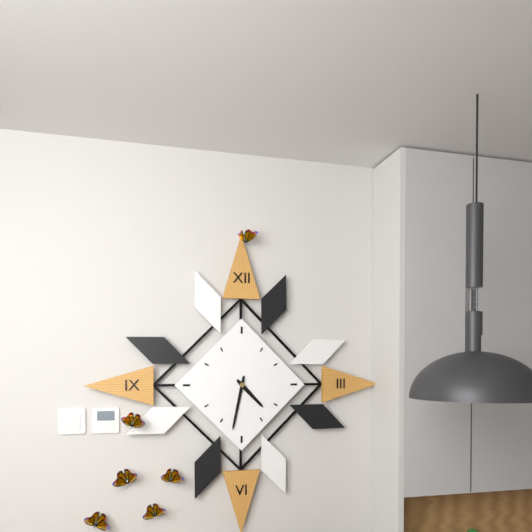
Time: {"hour": 4, "minute": 32}
